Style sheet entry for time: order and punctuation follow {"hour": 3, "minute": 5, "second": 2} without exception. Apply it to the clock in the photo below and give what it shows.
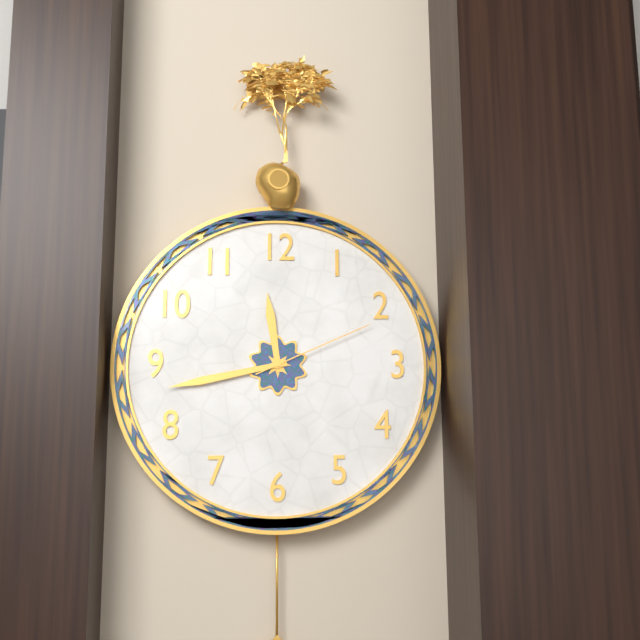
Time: {"hour": 11, "minute": 43, "second": 11}
